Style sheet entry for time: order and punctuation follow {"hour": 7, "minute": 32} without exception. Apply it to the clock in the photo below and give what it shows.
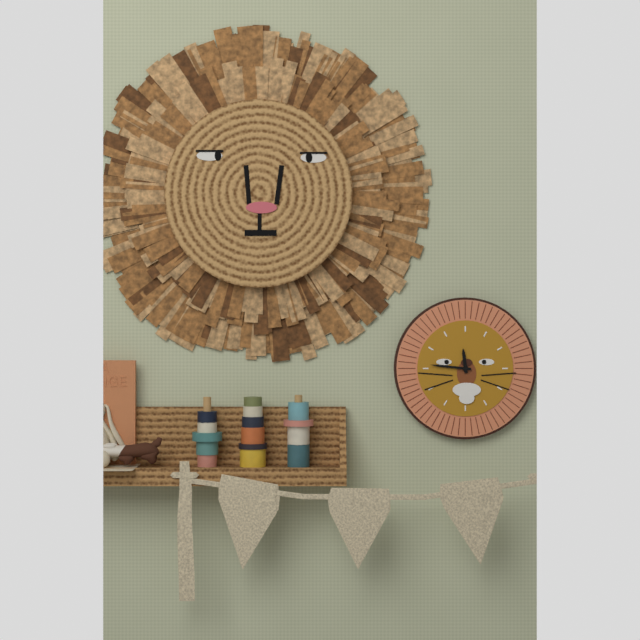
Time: {"hour": 11, "minute": 46}
